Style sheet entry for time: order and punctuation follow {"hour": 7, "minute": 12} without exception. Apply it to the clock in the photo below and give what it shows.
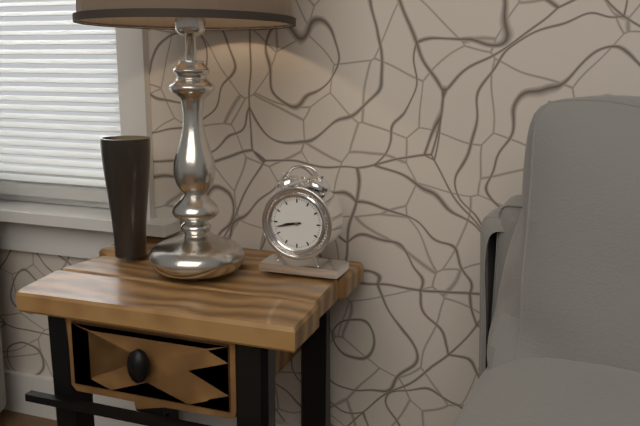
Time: {"hour": 8, "minute": 43}
